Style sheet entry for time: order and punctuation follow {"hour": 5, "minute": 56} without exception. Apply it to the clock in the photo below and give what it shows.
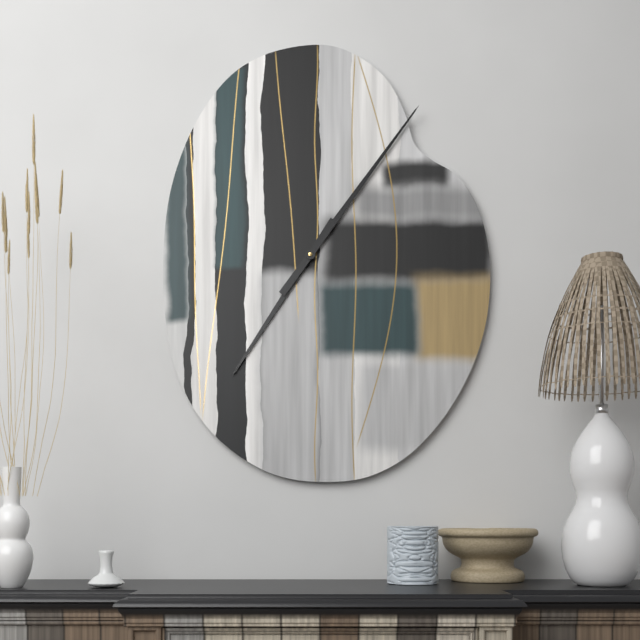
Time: {"hour": 7, "minute": 6}
